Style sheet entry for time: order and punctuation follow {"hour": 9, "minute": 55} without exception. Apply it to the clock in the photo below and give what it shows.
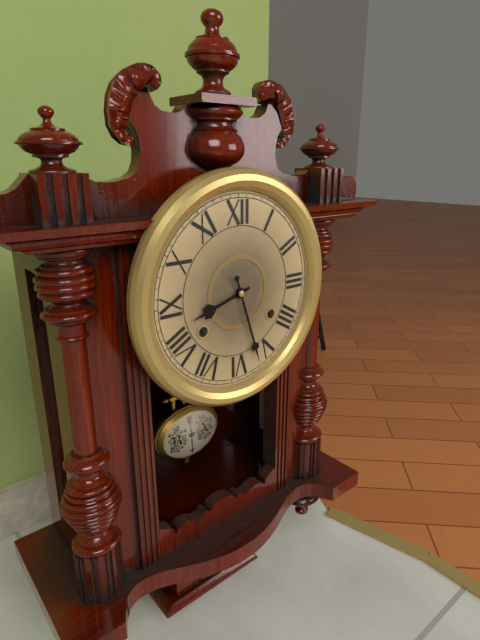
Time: {"hour": 8, "minute": 27}
